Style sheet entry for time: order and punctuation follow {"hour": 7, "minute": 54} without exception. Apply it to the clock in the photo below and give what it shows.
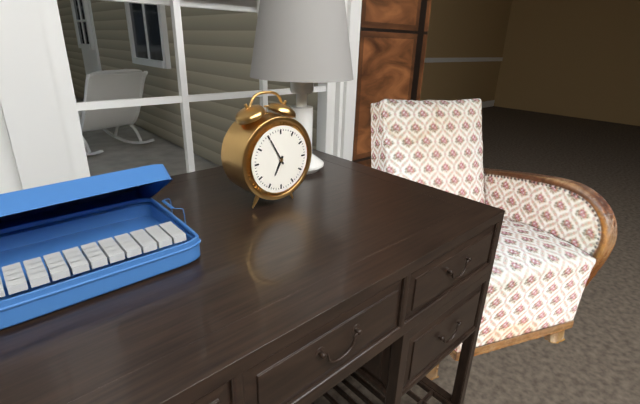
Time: {"hour": 6, "minute": 55}
